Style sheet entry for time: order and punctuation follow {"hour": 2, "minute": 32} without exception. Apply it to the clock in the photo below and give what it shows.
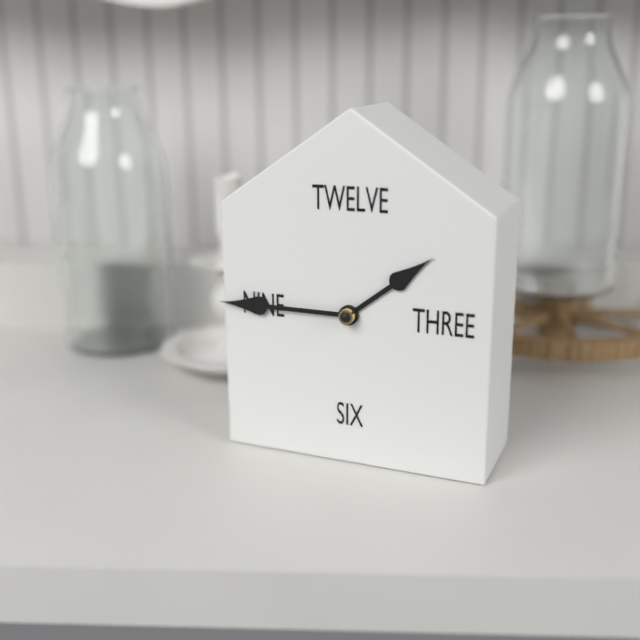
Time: {"hour": 1, "minute": 45}
